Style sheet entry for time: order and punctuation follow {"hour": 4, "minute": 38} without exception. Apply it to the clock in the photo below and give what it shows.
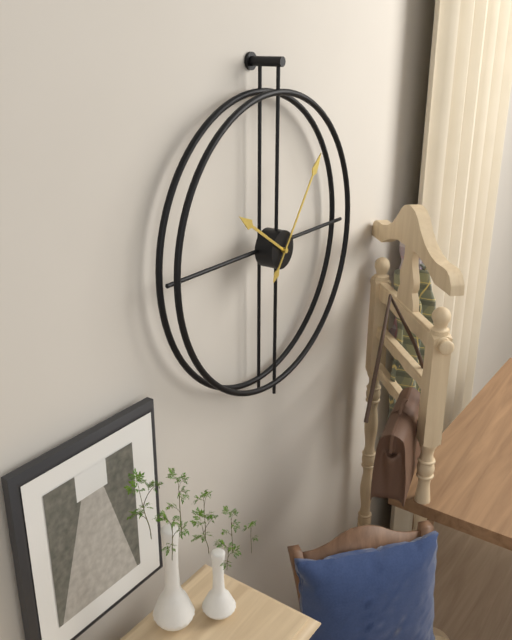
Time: {"hour": 10, "minute": 6}
